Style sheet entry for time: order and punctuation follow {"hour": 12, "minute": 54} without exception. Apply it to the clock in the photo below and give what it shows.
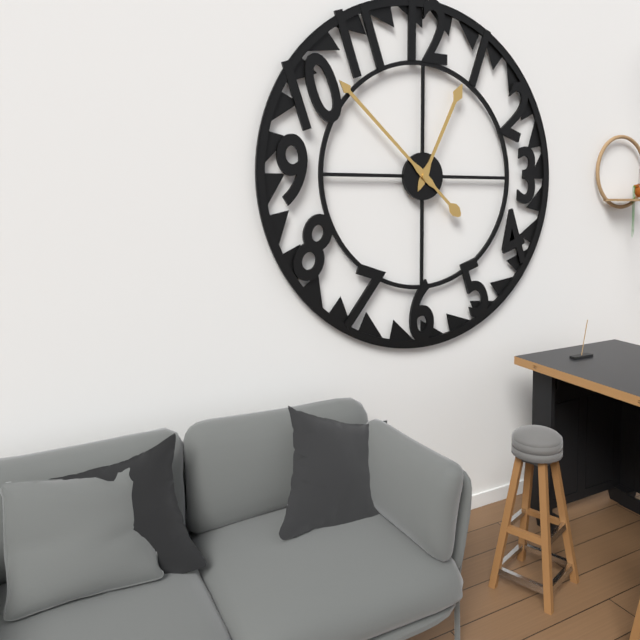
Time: {"hour": 12, "minute": 52}
